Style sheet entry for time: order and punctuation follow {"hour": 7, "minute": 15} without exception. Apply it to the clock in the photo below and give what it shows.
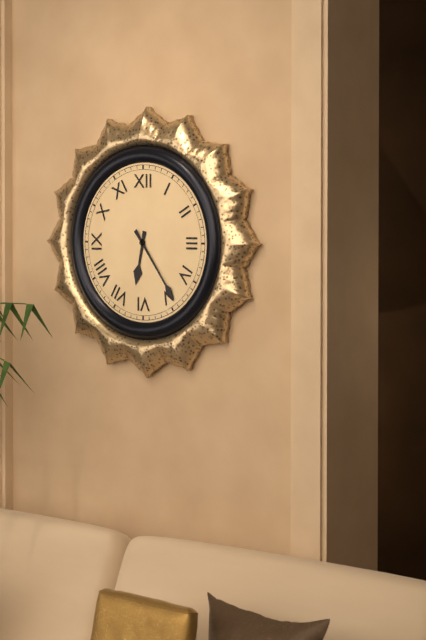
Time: {"hour": 6, "minute": 24}
